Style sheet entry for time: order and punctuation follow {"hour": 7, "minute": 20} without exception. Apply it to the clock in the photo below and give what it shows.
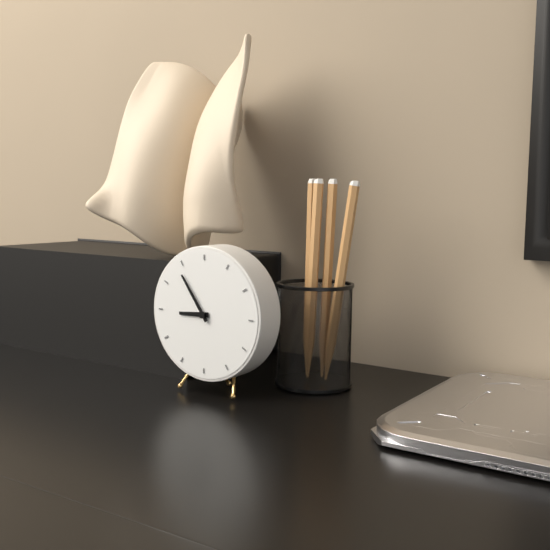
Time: {"hour": 8, "minute": 54}
